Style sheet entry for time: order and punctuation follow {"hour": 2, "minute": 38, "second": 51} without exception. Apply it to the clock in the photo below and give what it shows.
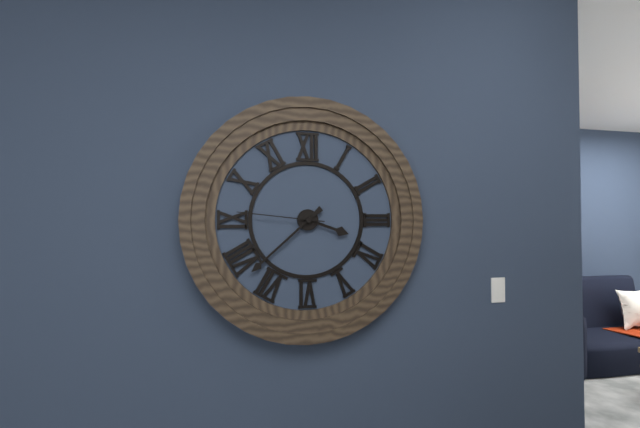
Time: {"hour": 3, "minute": 38, "second": 46}
